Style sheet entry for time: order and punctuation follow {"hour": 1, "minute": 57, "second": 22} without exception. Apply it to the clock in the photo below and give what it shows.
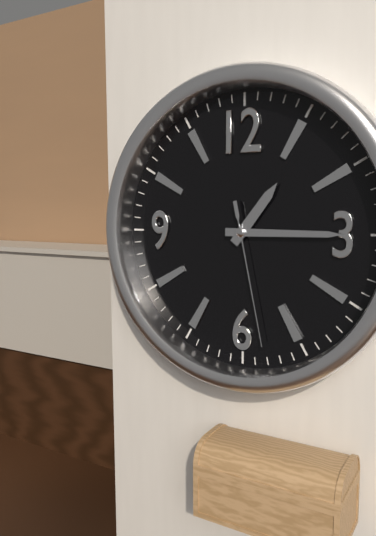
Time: {"hour": 1, "minute": 15, "second": 28}
